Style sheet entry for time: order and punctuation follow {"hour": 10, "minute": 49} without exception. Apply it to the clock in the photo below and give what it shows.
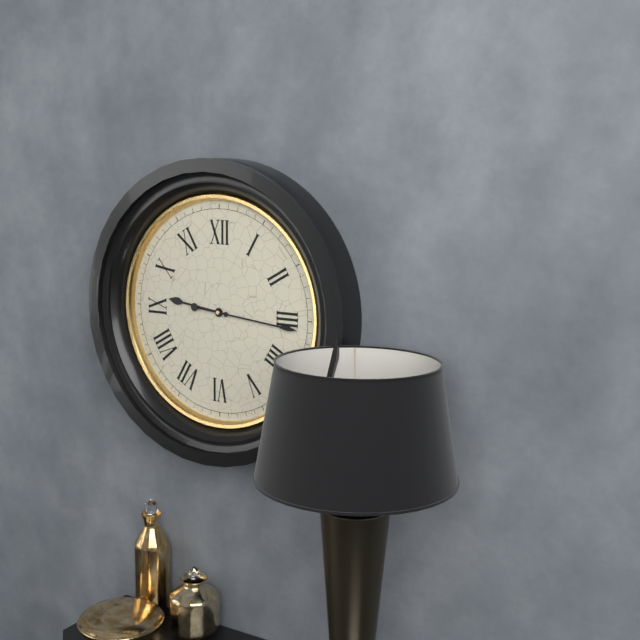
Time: {"hour": 9, "minute": 16}
